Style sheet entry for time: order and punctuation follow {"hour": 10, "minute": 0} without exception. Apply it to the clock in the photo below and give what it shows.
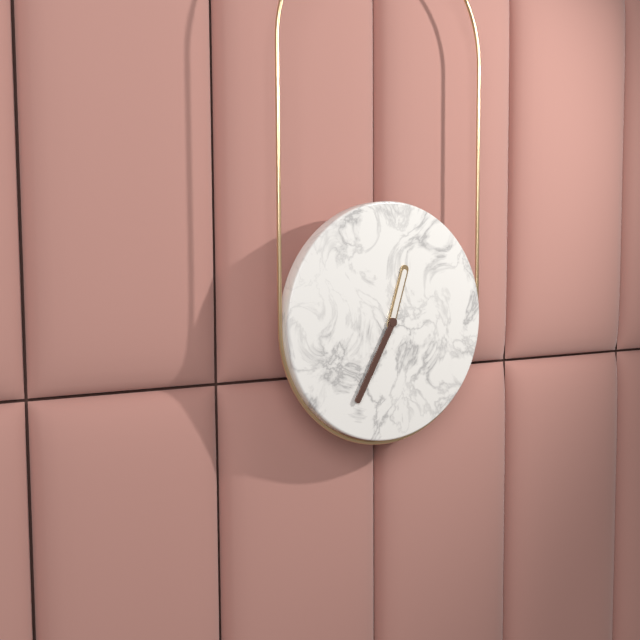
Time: {"hour": 12, "minute": 35}
